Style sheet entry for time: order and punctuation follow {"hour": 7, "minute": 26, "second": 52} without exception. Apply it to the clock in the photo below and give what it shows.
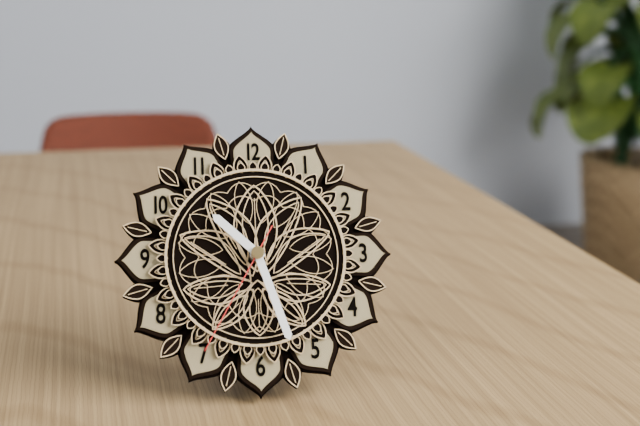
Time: {"hour": 10, "minute": 27, "second": 35}
